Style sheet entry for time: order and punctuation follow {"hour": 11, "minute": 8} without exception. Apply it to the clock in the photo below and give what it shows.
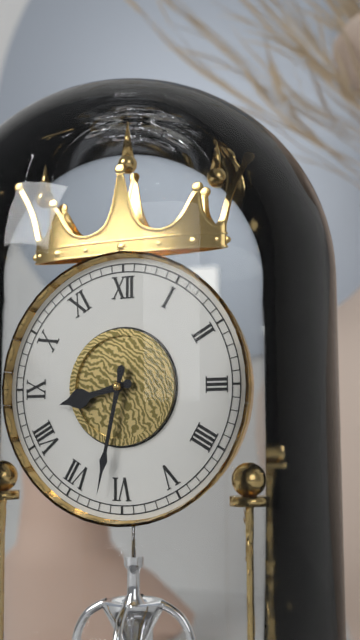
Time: {"hour": 8, "minute": 32}
